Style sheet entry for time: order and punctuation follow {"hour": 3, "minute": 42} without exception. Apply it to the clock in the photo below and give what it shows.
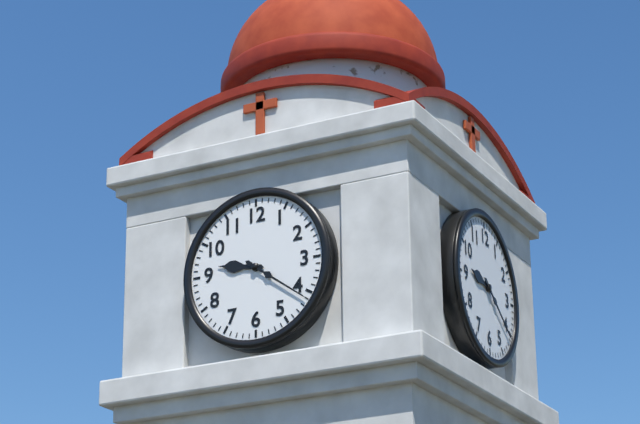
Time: {"hour": 9, "minute": 21}
